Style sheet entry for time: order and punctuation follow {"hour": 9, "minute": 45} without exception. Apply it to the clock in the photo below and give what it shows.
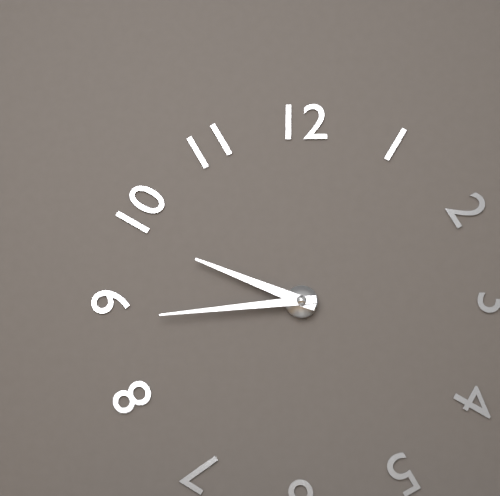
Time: {"hour": 9, "minute": 44}
